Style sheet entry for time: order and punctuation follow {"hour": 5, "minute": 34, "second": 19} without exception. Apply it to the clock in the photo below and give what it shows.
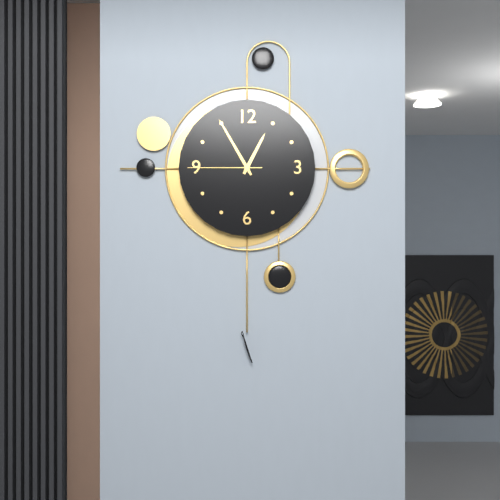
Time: {"hour": 12, "minute": 55, "second": 45}
